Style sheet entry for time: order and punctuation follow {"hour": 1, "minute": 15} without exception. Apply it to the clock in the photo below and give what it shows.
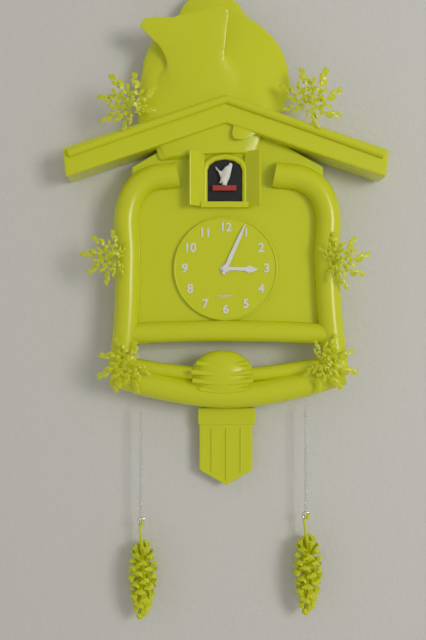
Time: {"hour": 3, "minute": 4}
